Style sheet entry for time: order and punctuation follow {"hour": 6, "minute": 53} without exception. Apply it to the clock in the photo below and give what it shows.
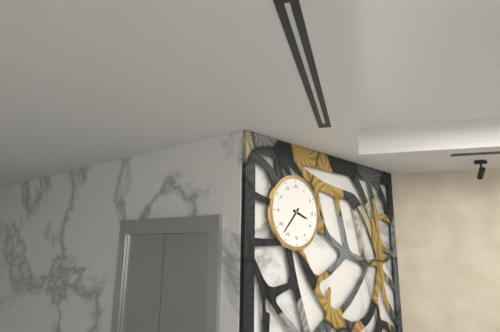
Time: {"hour": 3, "minute": 37}
